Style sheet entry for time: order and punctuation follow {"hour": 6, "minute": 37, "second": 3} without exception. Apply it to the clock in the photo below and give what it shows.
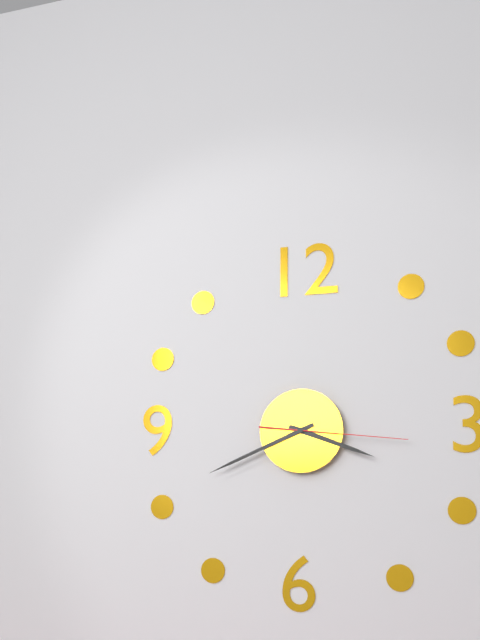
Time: {"hour": 3, "minute": 41, "second": 16}
